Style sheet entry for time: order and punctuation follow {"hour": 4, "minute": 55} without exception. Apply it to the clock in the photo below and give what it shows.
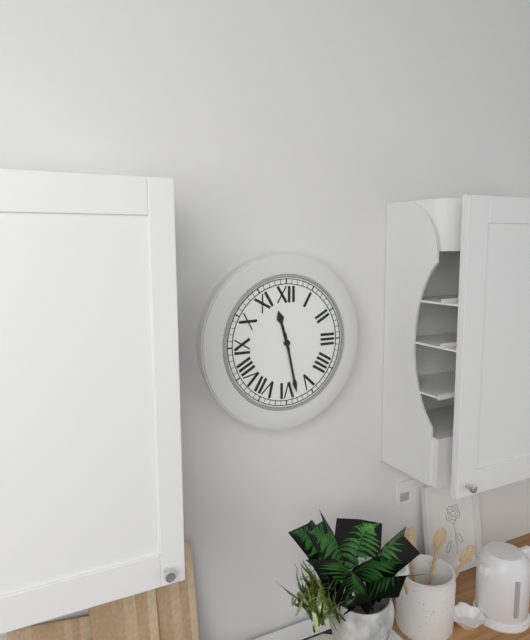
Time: {"hour": 11, "minute": 28}
